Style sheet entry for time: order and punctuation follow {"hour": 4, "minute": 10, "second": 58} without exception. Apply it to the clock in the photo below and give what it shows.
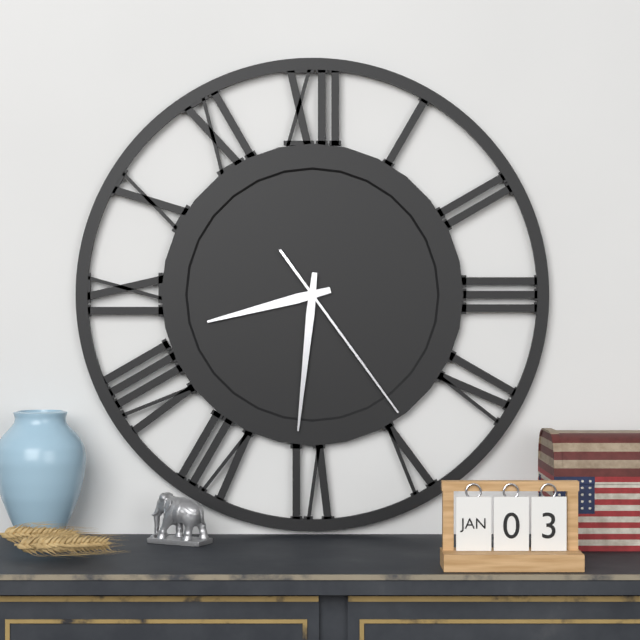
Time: {"hour": 8, "minute": 31, "second": 24}
